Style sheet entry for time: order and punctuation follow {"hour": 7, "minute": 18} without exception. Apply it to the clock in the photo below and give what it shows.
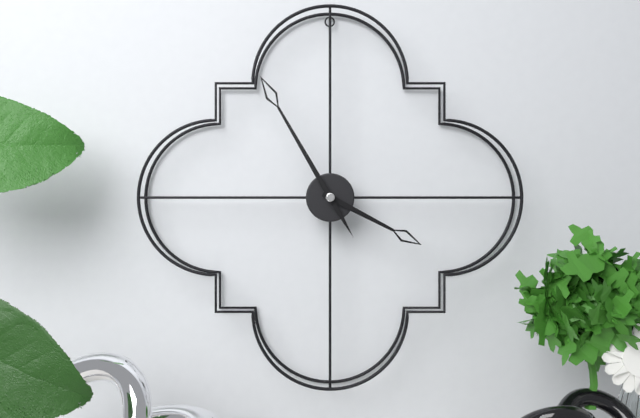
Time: {"hour": 3, "minute": 55}
